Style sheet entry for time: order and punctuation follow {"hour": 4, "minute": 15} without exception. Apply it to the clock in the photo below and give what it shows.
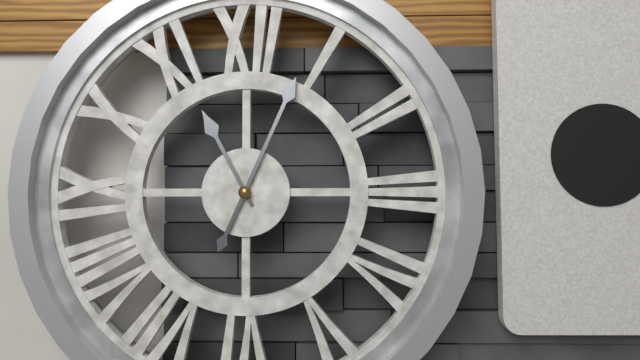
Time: {"hour": 11, "minute": 4}
